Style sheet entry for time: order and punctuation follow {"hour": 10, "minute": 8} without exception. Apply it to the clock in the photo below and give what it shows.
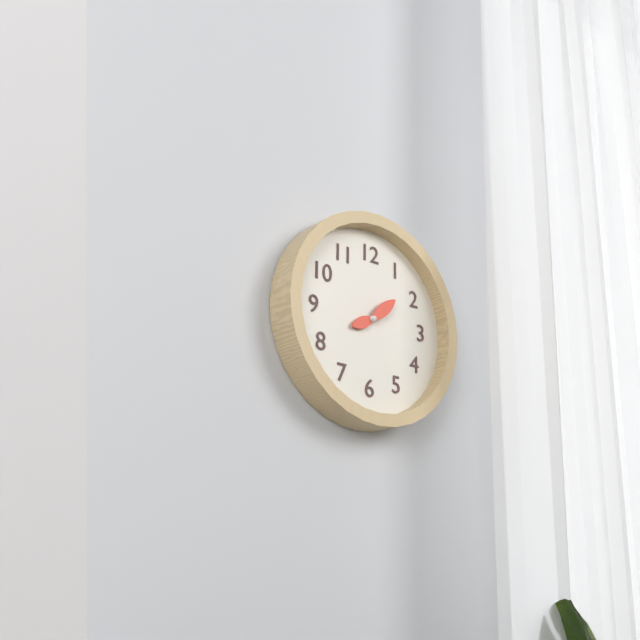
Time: {"hour": 8, "minute": 8}
